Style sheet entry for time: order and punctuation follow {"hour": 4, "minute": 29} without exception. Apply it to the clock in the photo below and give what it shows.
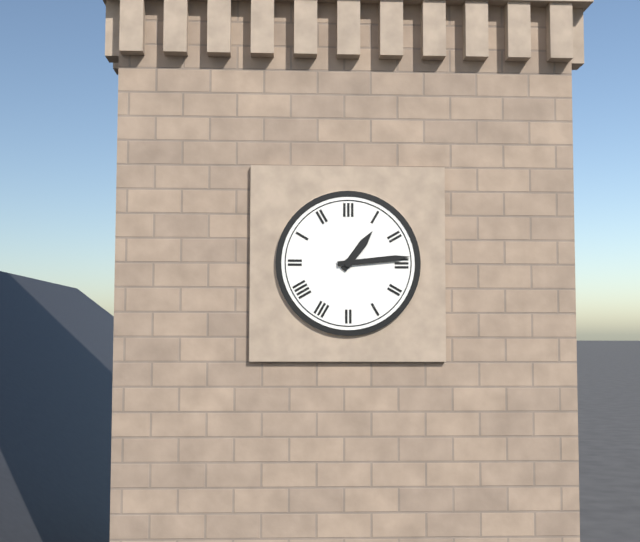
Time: {"hour": 1, "minute": 14}
